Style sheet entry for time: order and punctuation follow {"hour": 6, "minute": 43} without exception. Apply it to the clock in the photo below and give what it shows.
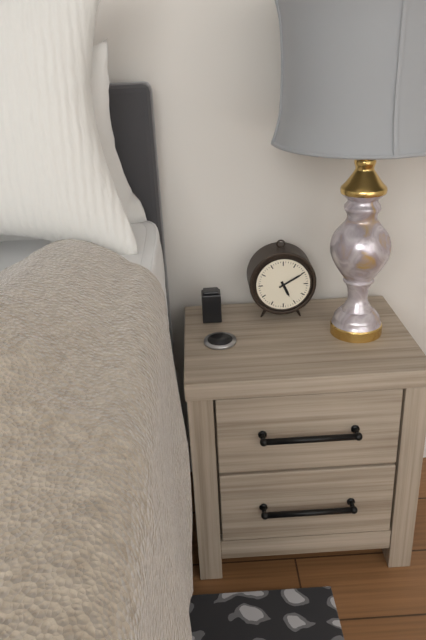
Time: {"hour": 5, "minute": 10}
